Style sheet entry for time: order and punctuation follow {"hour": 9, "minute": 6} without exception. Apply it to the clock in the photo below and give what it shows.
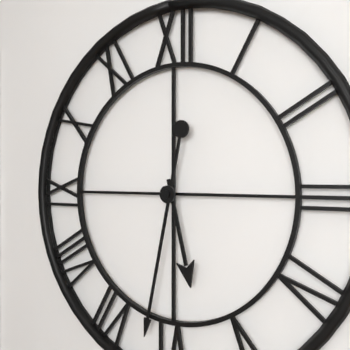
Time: {"hour": 5, "minute": 32}
